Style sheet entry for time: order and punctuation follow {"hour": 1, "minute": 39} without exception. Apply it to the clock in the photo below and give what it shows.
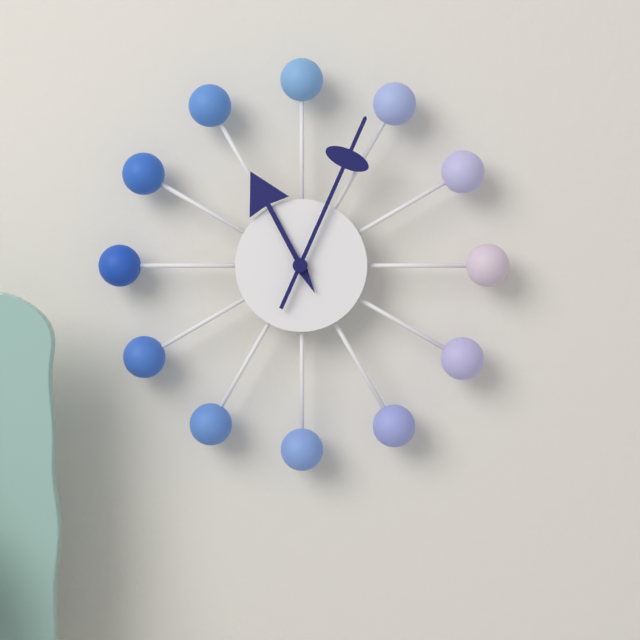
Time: {"hour": 11, "minute": 4}
